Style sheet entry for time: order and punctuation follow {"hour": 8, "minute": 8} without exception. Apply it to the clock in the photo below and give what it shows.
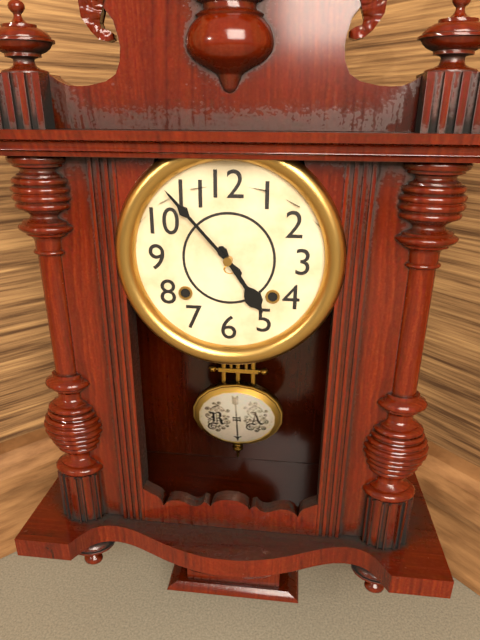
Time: {"hour": 4, "minute": 53}
